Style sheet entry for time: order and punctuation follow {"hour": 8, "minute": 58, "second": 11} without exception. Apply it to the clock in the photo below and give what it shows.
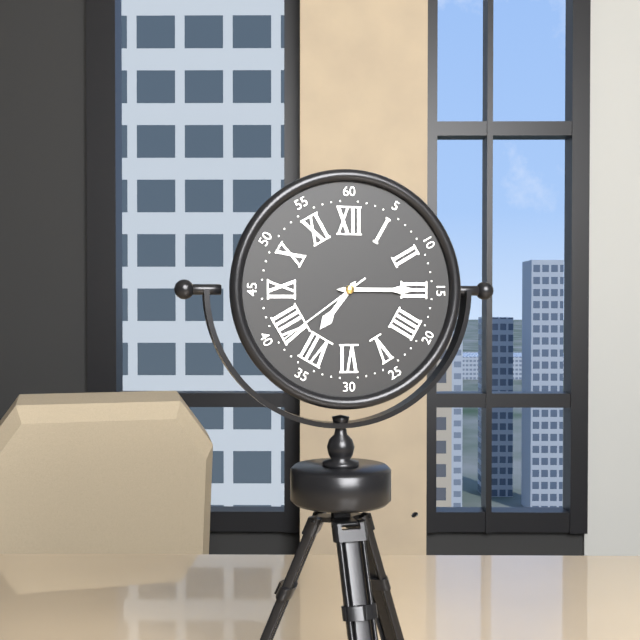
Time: {"hour": 7, "minute": 15, "second": 39}
